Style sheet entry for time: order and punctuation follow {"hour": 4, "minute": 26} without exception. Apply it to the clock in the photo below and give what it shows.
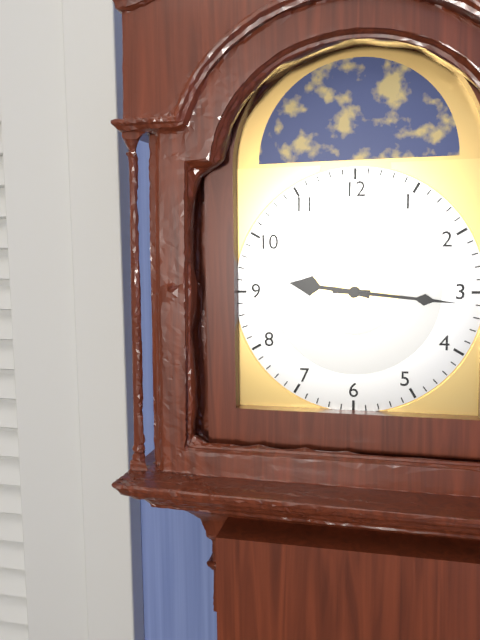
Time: {"hour": 9, "minute": 16}
